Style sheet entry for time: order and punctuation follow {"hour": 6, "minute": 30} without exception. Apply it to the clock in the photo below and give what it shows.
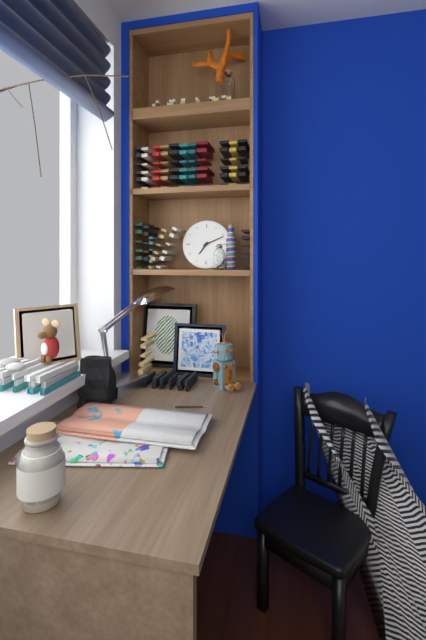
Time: {"hour": 7, "minute": 11}
